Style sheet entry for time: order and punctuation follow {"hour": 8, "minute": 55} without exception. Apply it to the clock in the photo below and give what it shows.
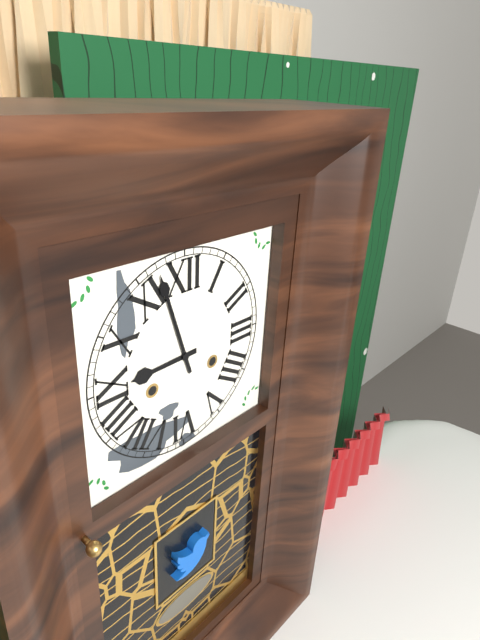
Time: {"hour": 8, "minute": 57}
